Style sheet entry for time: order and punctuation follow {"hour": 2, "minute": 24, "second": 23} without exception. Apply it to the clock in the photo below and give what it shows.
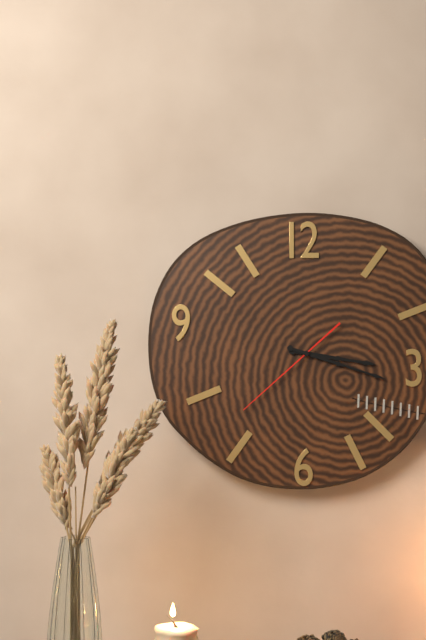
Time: {"hour": 3, "minute": 18, "second": 38}
